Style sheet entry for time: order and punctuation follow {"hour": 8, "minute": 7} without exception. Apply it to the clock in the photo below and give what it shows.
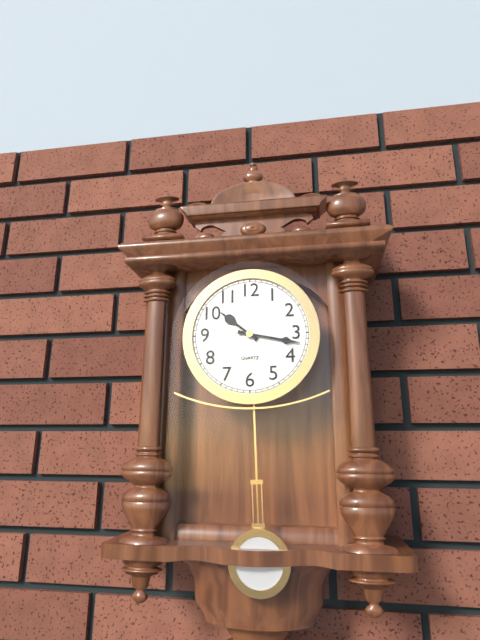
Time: {"hour": 10, "minute": 17}
